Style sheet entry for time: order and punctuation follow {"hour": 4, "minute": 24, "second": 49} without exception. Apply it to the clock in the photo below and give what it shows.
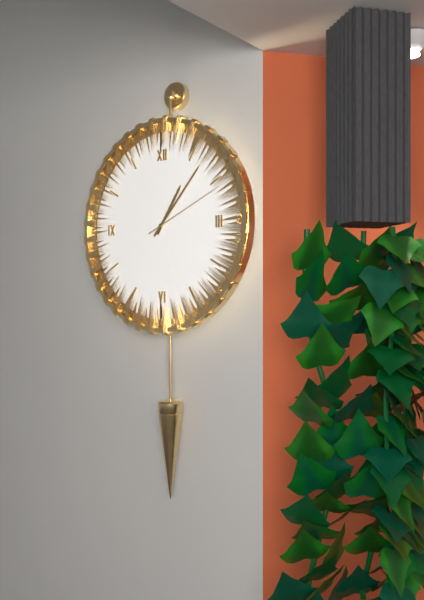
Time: {"hour": 1, "minute": 7, "second": 11}
